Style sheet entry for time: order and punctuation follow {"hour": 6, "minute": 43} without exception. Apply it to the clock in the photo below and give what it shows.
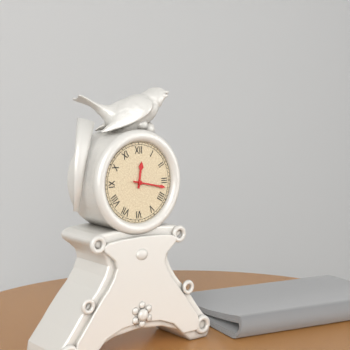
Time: {"hour": 12, "minute": 17}
